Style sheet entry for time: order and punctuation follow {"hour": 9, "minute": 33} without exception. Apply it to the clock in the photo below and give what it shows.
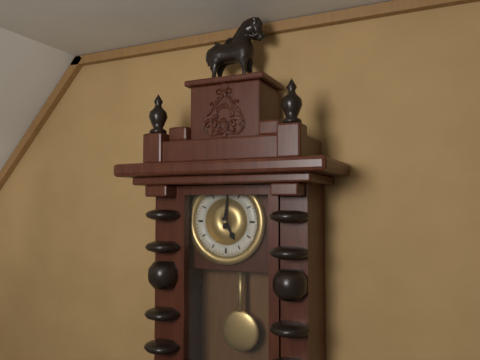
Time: {"hour": 5, "minute": 1}
